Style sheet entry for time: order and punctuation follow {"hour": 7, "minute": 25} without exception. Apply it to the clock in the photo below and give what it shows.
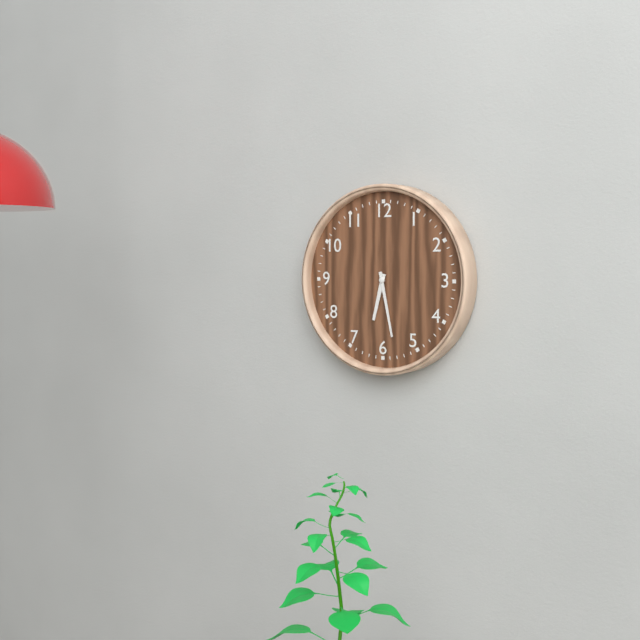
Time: {"hour": 6, "minute": 28}
